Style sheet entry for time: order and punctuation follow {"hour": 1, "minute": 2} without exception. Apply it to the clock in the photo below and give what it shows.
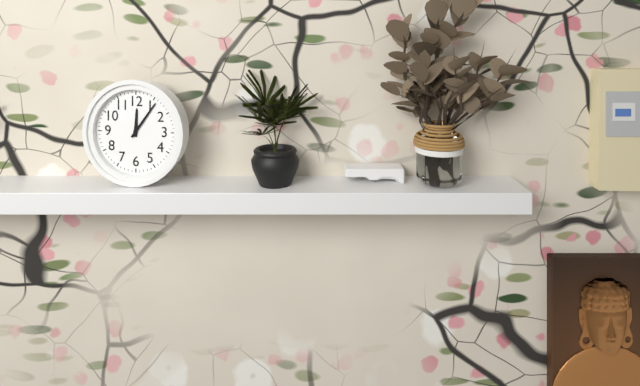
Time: {"hour": 12, "minute": 6}
